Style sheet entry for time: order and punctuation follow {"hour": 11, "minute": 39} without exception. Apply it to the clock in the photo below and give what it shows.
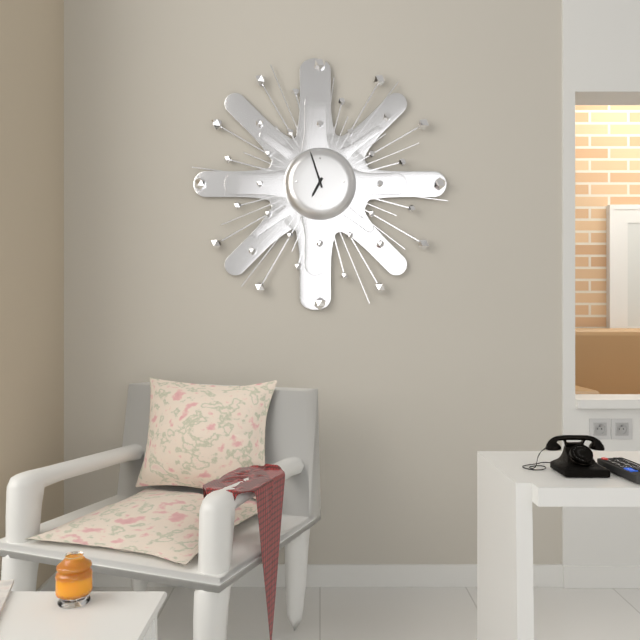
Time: {"hour": 6, "minute": 57}
